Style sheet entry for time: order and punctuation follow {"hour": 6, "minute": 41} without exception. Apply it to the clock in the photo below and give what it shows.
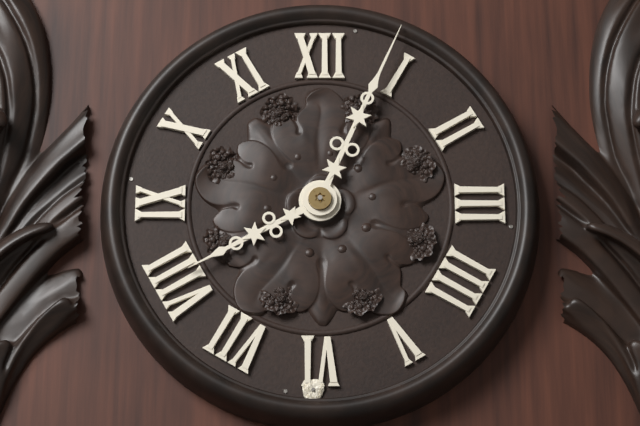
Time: {"hour": 8, "minute": 4}
